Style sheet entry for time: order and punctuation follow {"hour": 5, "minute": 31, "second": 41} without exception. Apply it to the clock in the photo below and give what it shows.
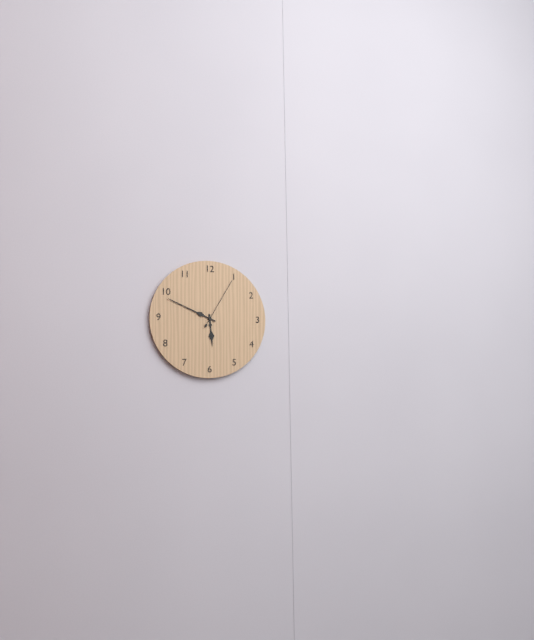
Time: {"hour": 5, "minute": 49, "second": 5}
